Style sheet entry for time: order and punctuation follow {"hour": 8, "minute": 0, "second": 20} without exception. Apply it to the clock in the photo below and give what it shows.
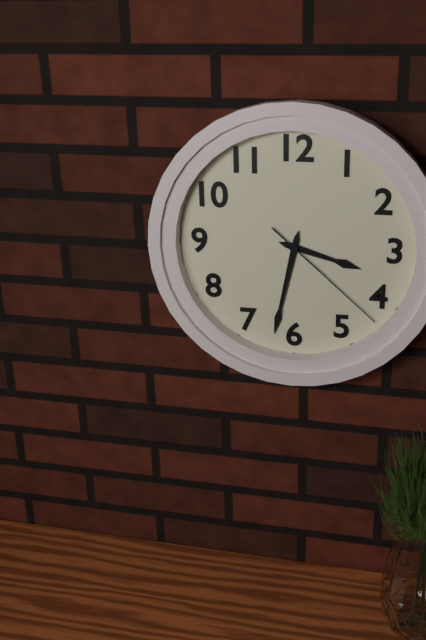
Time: {"hour": 3, "minute": 32, "second": 22}
